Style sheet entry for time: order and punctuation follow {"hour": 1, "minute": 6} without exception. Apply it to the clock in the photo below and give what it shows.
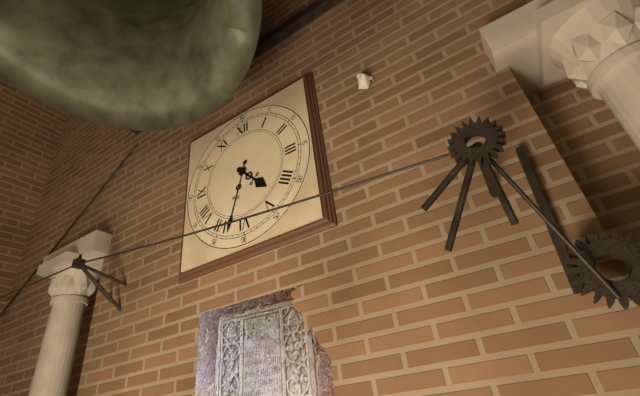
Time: {"hour": 4, "minute": 33}
